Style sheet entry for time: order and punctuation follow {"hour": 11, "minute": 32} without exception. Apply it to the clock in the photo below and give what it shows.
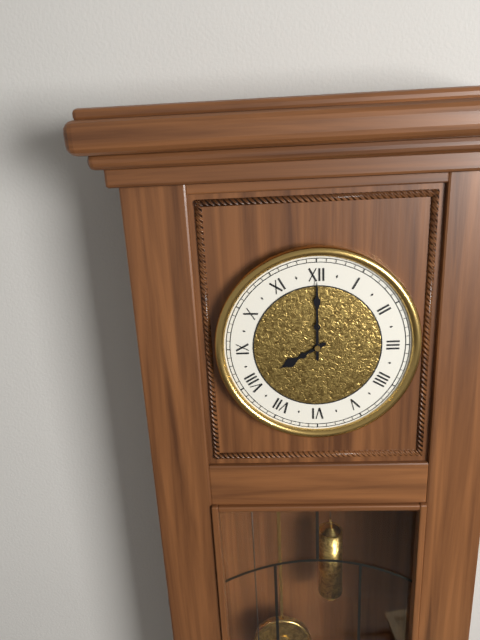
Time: {"hour": 8, "minute": 0}
